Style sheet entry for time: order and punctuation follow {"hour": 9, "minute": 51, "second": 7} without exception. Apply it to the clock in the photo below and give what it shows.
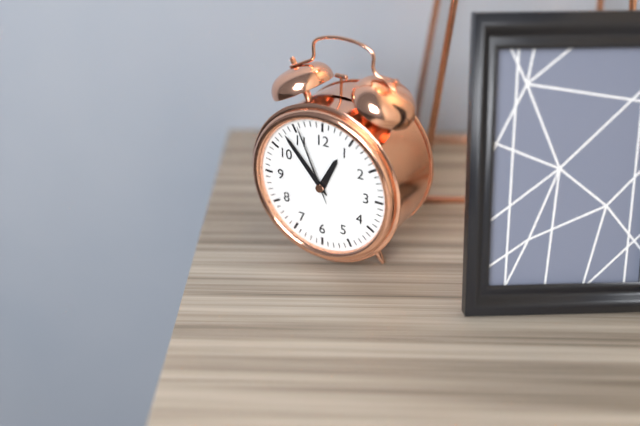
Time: {"hour": 12, "minute": 53, "second": 56}
